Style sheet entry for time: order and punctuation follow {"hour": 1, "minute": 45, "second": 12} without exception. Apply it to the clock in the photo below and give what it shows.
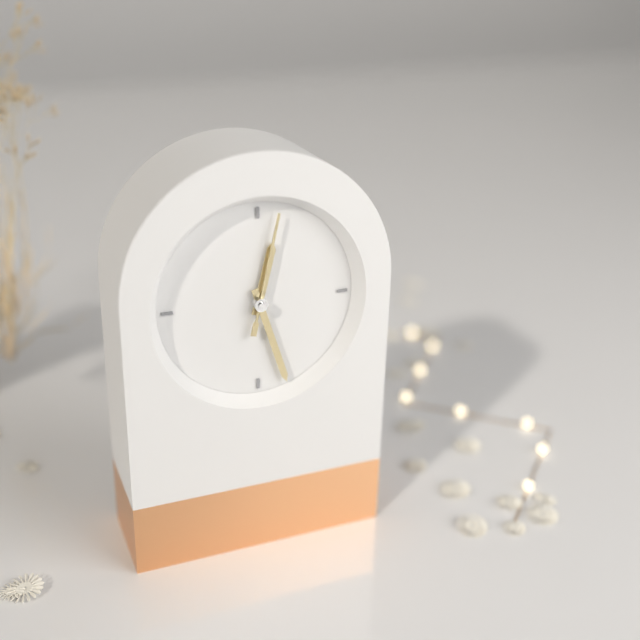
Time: {"hour": 12, "minute": 27, "second": 2}
